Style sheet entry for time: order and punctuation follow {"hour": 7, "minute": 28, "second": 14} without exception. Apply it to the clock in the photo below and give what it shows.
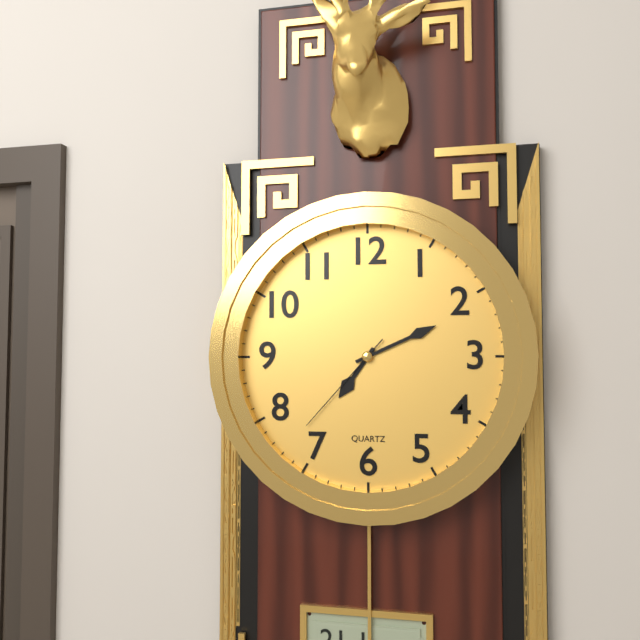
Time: {"hour": 7, "minute": 11, "second": 37}
